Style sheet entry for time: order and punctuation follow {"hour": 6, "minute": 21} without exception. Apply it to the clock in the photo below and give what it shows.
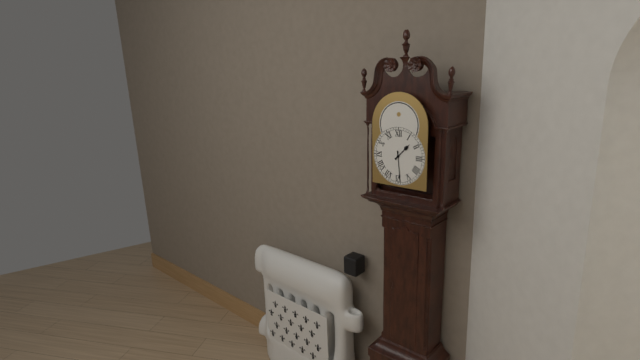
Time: {"hour": 1, "minute": 29}
